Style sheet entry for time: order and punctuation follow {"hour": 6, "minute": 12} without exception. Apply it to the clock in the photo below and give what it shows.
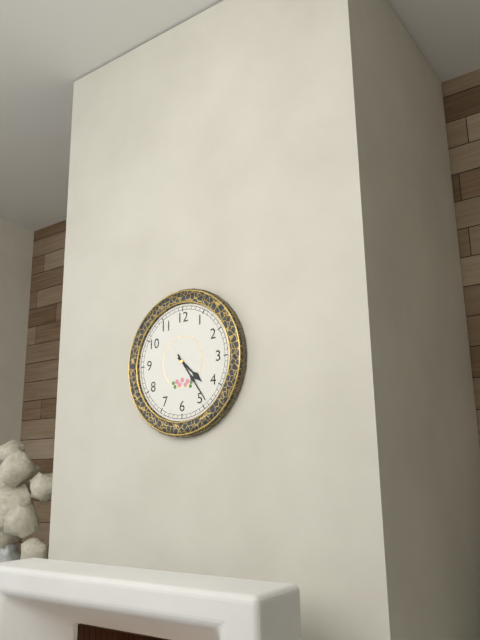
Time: {"hour": 4, "minute": 24}
